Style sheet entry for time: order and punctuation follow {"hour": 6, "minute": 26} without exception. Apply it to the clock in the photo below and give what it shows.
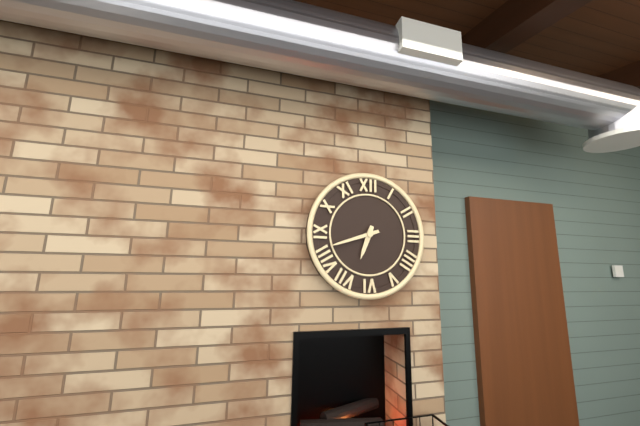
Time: {"hour": 6, "minute": 42}
